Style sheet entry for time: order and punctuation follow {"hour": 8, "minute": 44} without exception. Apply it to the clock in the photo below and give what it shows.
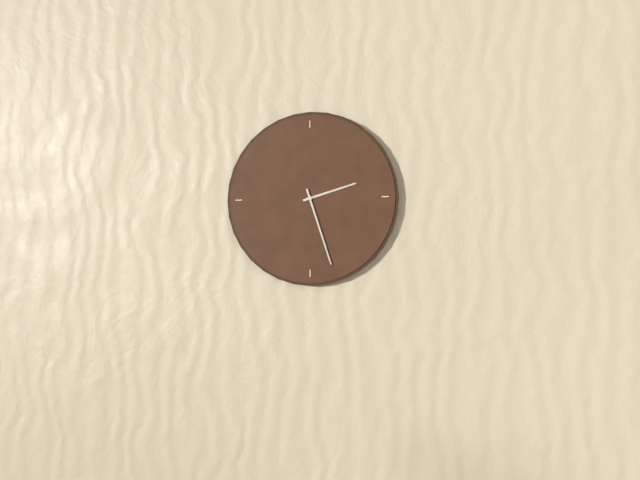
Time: {"hour": 2, "minute": 27}
